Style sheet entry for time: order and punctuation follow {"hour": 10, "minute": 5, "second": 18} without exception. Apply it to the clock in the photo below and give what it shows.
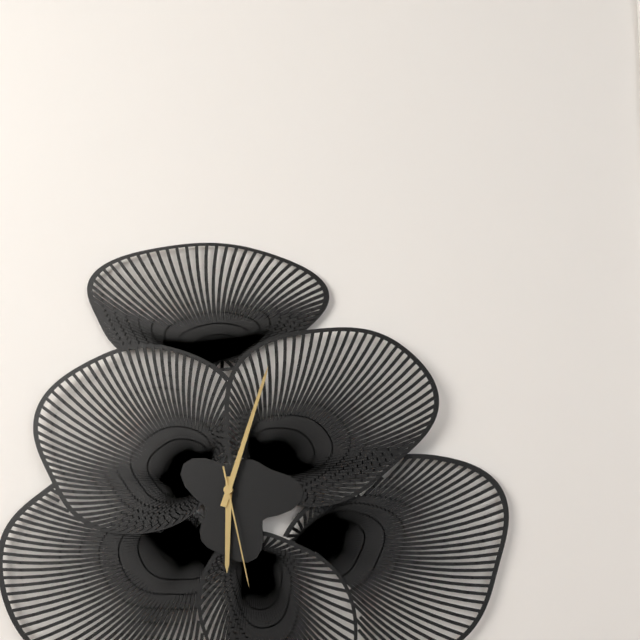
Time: {"hour": 6, "minute": 3, "second": 28}
